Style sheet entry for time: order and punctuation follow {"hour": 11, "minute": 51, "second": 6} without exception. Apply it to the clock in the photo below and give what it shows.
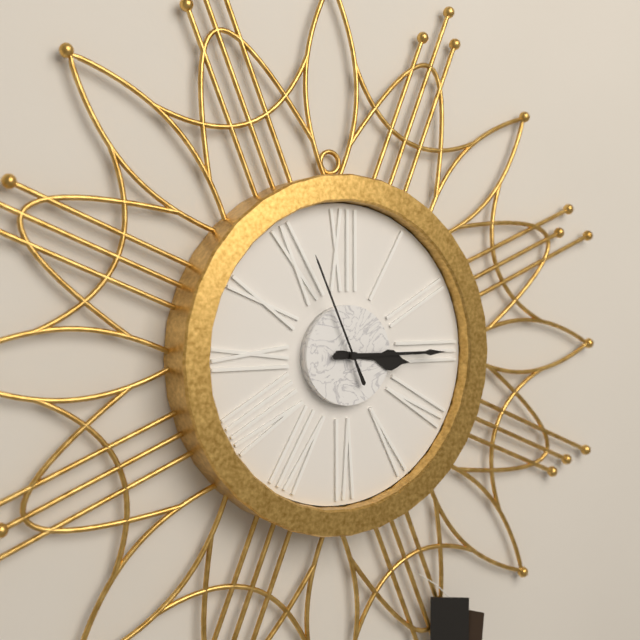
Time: {"hour": 3, "minute": 15, "second": 56}
